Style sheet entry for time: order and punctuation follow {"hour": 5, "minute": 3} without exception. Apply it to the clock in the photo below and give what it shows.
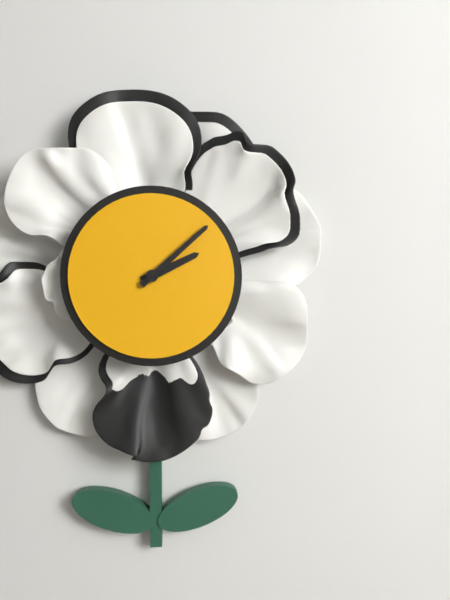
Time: {"hour": 2, "minute": 8}
